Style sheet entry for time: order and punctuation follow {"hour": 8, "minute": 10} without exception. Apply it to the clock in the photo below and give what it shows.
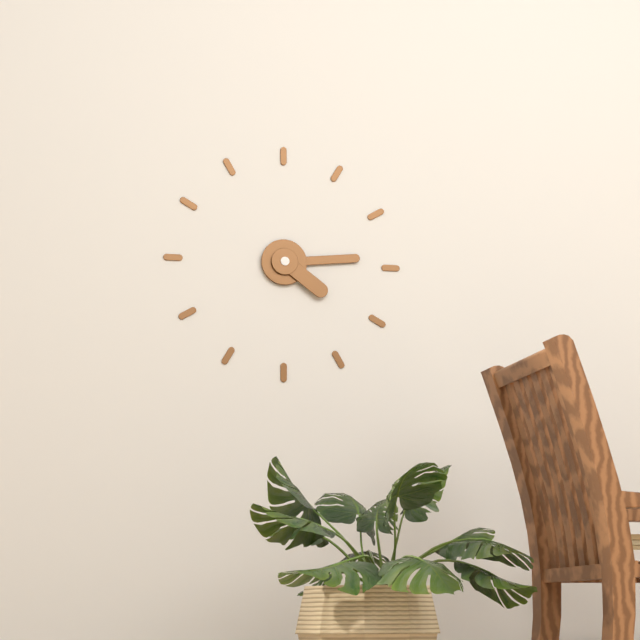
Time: {"hour": 4, "minute": 14}
